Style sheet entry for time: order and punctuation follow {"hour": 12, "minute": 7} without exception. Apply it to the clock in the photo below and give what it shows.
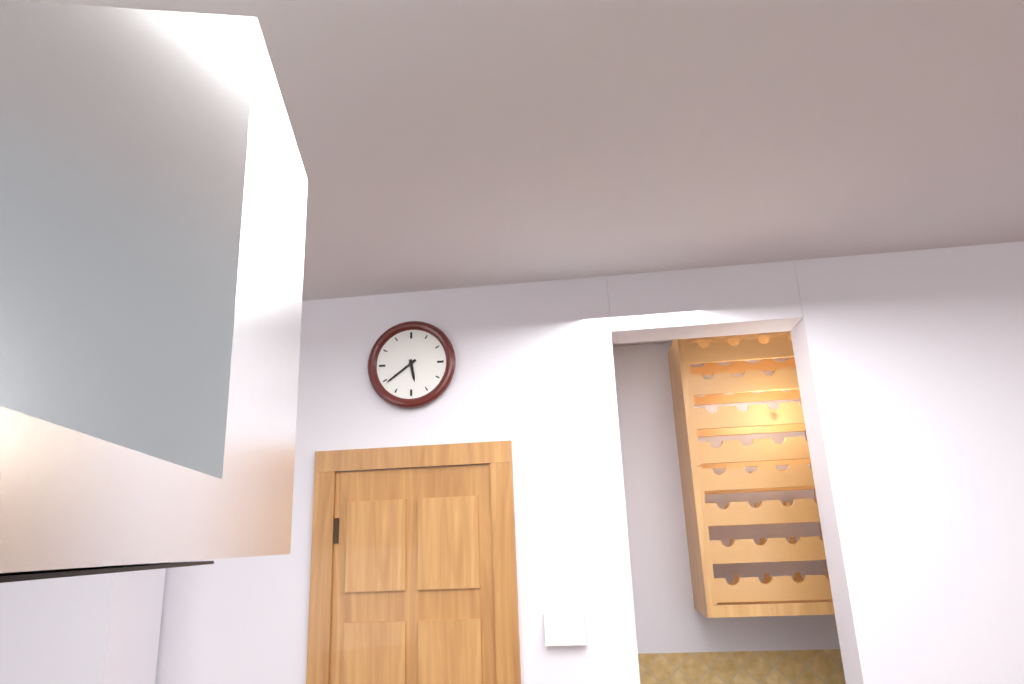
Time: {"hour": 5, "minute": 39}
